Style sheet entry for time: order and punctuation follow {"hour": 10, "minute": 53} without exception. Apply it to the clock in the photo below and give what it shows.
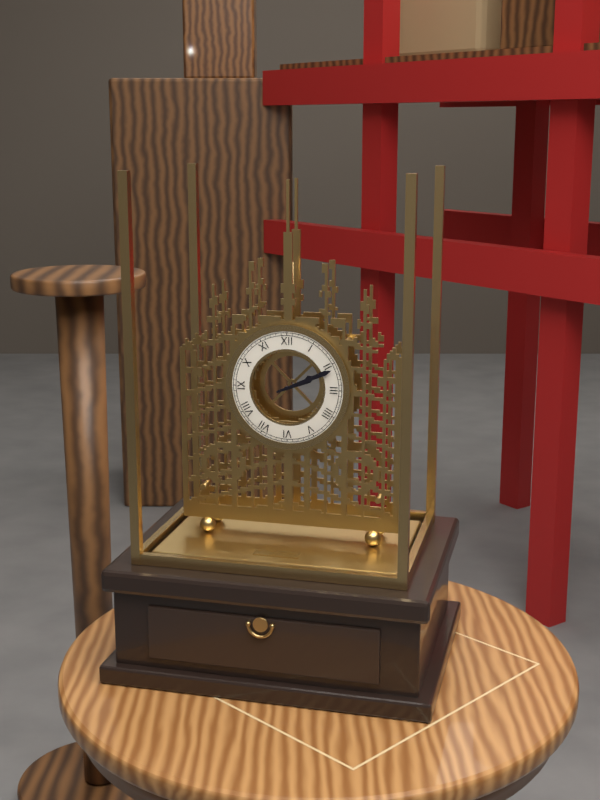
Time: {"hour": 2, "minute": 11}
